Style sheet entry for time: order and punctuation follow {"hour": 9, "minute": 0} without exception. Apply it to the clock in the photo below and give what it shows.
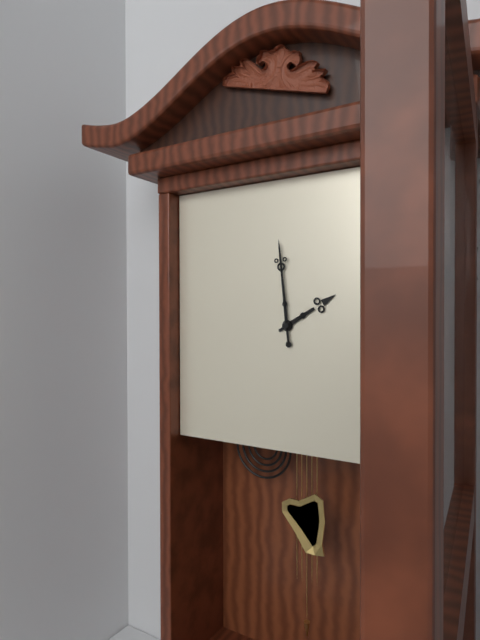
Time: {"hour": 1, "minute": 59}
